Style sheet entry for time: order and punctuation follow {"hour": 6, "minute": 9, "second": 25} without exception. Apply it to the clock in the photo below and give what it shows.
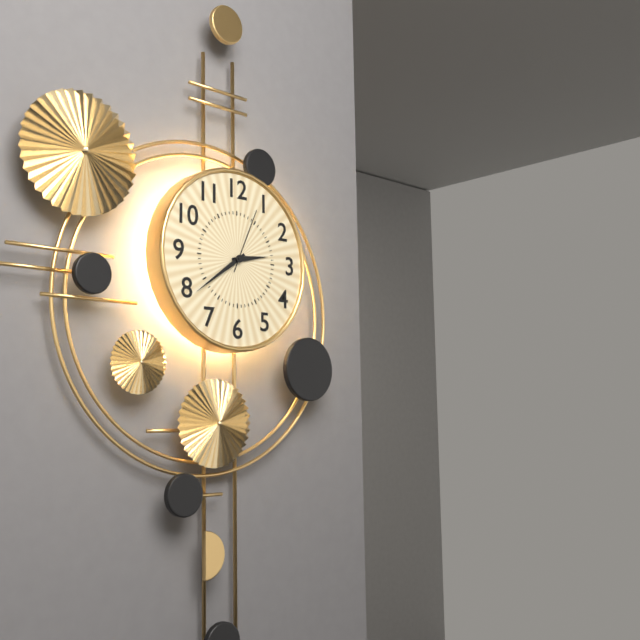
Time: {"hour": 2, "minute": 39, "second": 4}
